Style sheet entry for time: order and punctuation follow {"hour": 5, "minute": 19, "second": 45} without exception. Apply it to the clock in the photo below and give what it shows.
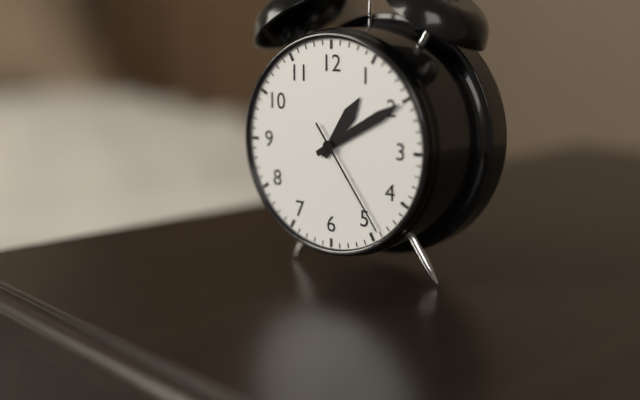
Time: {"hour": 1, "minute": 10, "second": 24}
